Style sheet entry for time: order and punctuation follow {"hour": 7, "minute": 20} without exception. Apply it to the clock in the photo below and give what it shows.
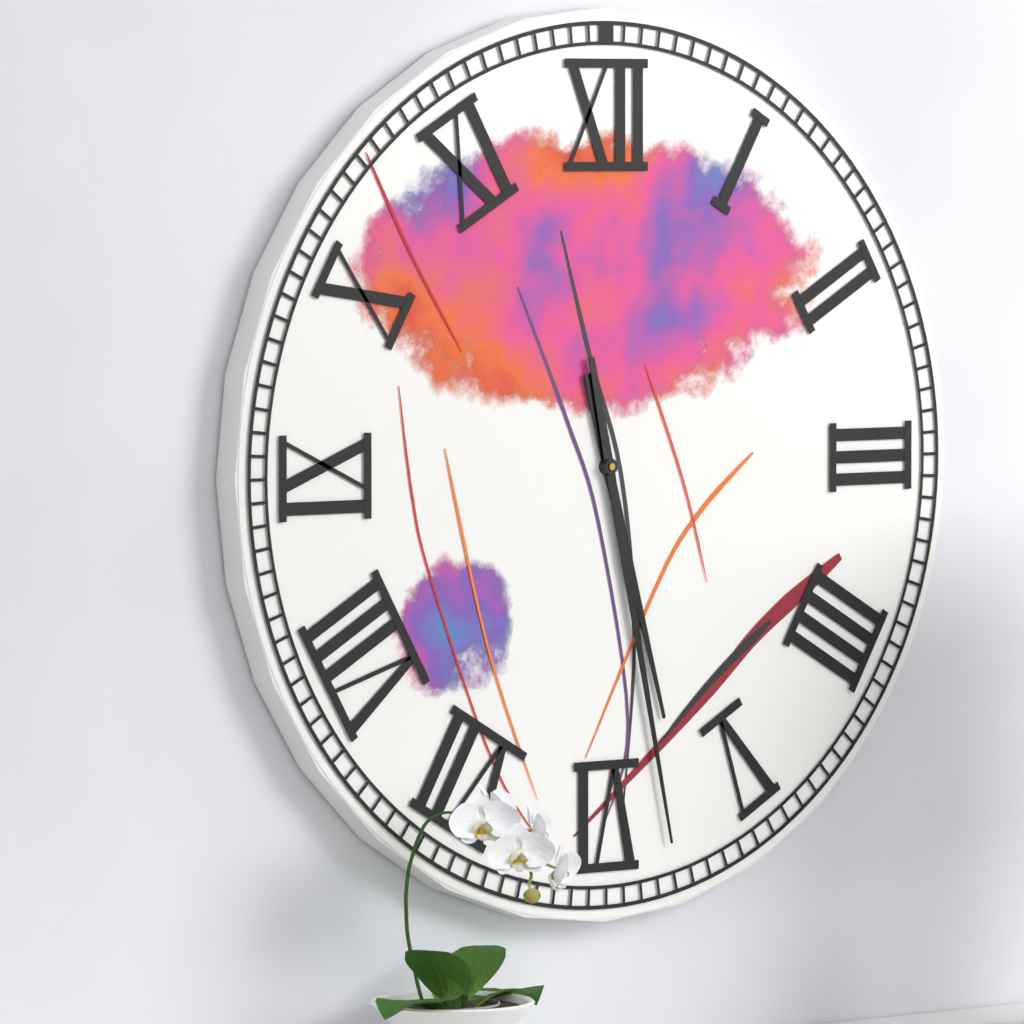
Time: {"hour": 5, "minute": 28}
